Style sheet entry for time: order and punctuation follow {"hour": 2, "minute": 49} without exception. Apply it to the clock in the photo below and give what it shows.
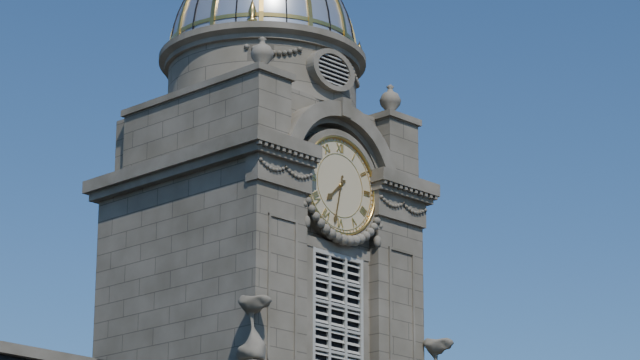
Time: {"hour": 7, "minute": 32}
